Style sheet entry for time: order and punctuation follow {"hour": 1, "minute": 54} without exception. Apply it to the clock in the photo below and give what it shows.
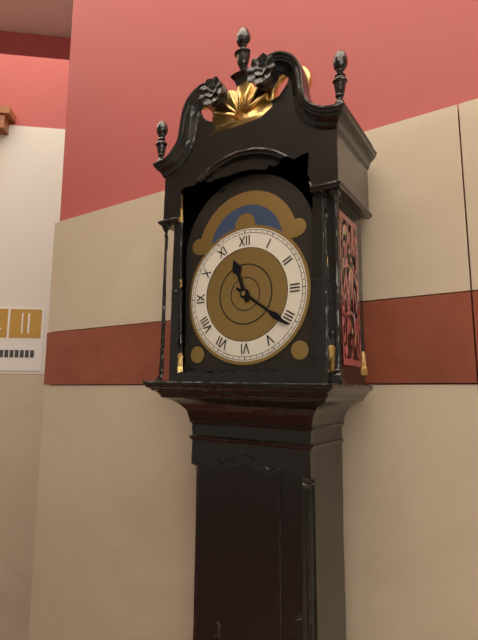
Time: {"hour": 11, "minute": 21}
